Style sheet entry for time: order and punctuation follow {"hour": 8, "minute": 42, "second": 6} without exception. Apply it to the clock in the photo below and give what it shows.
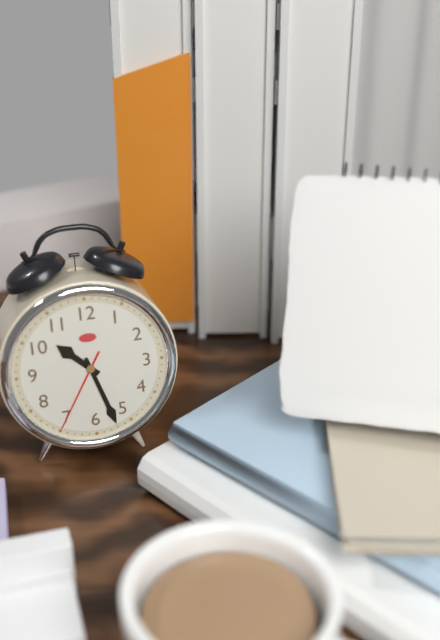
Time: {"hour": 10, "minute": 27, "second": 35}
